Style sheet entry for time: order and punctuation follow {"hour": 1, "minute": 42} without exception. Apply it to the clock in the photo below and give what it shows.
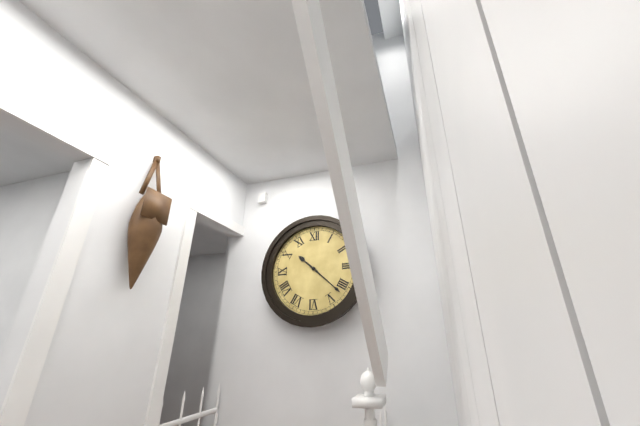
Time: {"hour": 10, "minute": 22}
